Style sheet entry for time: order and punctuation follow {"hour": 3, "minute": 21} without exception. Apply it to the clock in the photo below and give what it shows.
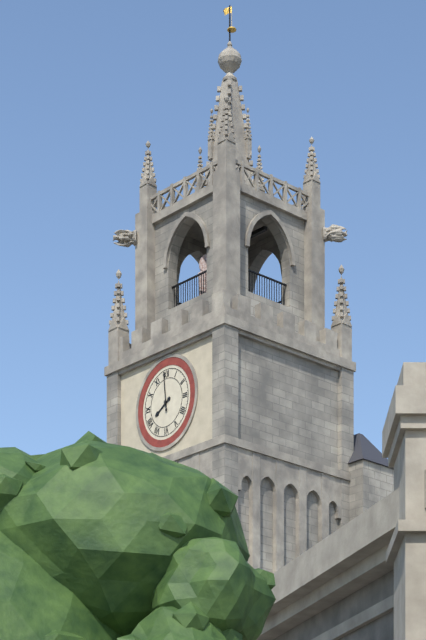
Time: {"hour": 7, "minute": 59}
